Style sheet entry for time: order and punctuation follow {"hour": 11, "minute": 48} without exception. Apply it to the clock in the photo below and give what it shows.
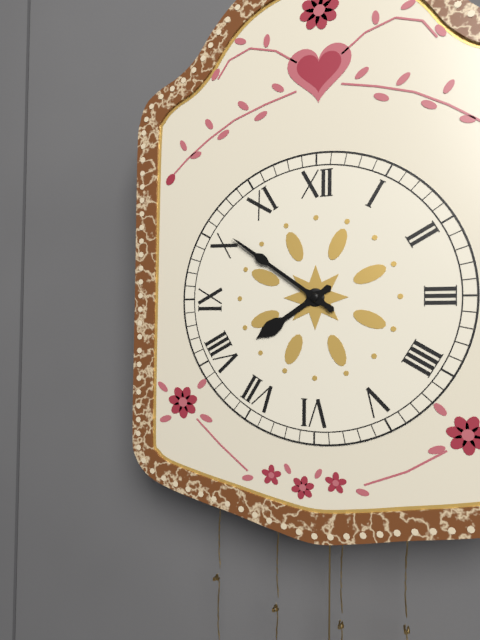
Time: {"hour": 7, "minute": 51}
